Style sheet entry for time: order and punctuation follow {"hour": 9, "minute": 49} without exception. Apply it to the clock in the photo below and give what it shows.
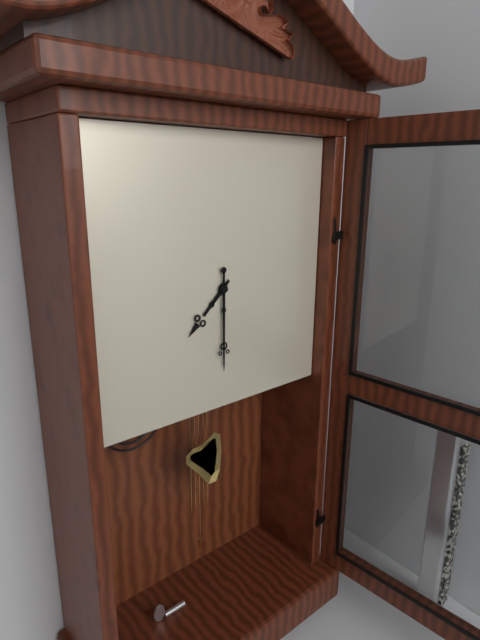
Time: {"hour": 7, "minute": 30}
